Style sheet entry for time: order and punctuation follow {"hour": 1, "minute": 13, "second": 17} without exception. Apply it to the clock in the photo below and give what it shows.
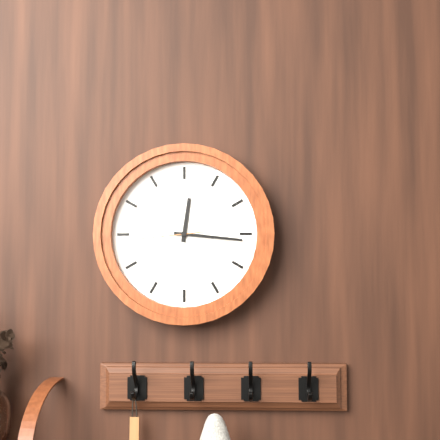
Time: {"hour": 12, "minute": 16, "second": 44}
